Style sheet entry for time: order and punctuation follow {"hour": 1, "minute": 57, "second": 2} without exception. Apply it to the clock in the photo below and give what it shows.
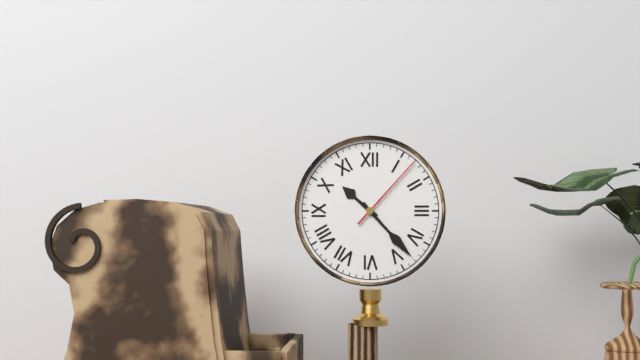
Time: {"hour": 10, "minute": 23, "second": 7}
